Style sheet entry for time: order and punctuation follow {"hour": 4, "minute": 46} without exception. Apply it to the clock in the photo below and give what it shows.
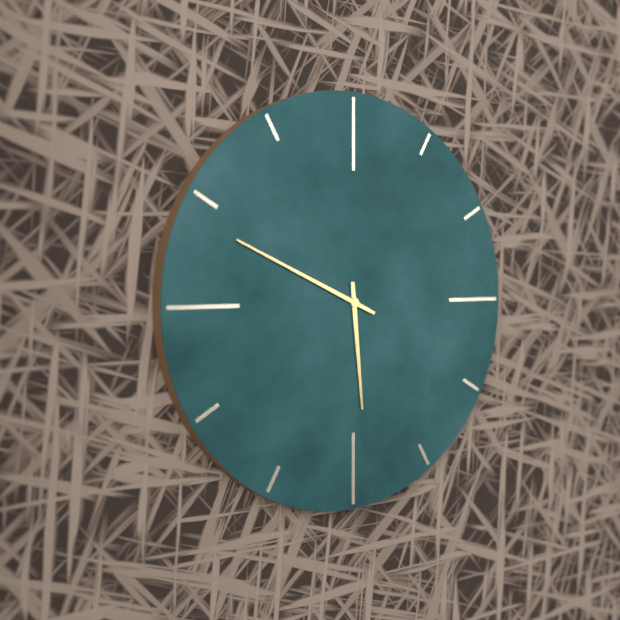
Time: {"hour": 5, "minute": 49}
